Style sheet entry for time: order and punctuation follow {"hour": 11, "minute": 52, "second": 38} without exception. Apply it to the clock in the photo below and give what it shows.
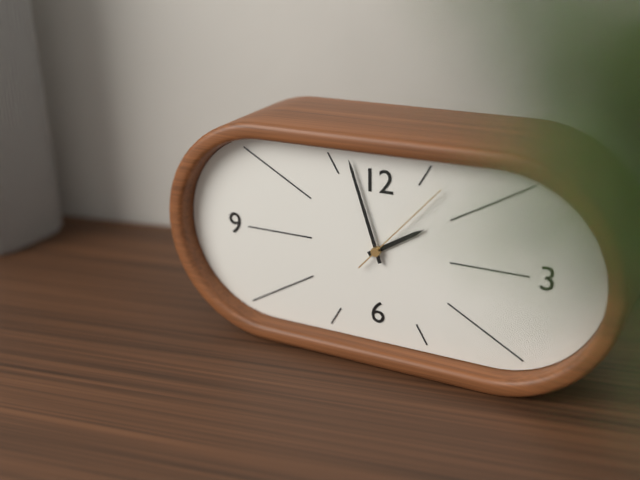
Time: {"hour": 1, "minute": 57, "second": 7}
